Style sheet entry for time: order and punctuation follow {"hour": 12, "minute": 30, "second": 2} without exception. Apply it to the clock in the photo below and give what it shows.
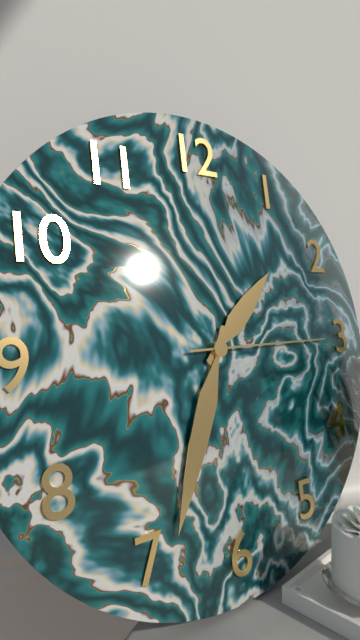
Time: {"hour": 1, "minute": 34, "second": 15}
